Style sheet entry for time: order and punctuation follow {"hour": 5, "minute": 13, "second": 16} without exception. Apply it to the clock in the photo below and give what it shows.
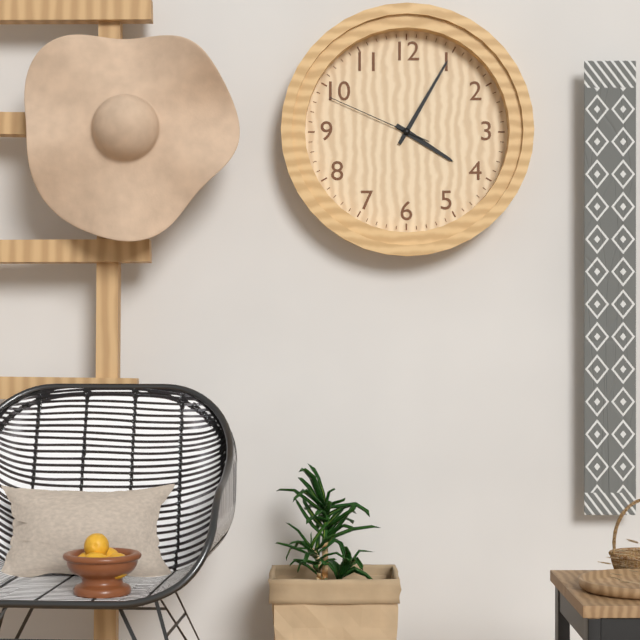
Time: {"hour": 4, "minute": 5, "second": 49}
